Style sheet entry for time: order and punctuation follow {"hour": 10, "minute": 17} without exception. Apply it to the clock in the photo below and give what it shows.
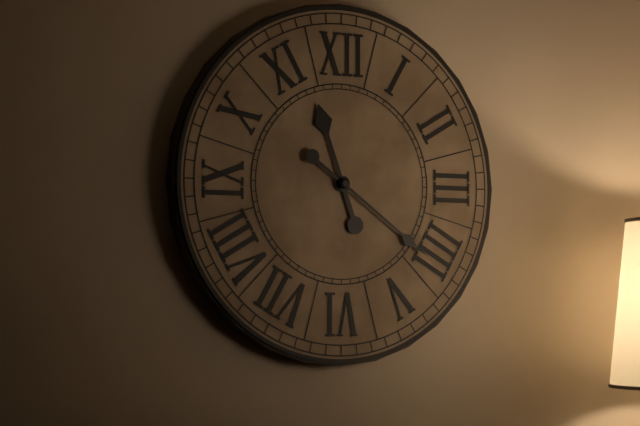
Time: {"hour": 11, "minute": 21}
